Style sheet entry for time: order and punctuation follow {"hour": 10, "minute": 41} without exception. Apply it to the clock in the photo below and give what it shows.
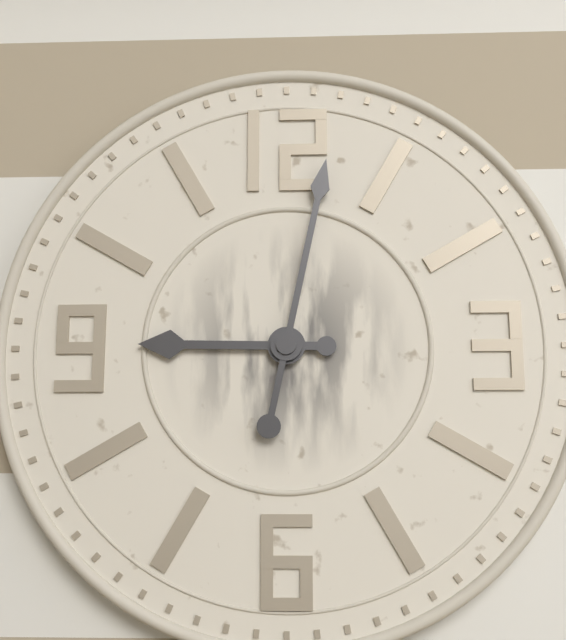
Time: {"hour": 9, "minute": 2}
